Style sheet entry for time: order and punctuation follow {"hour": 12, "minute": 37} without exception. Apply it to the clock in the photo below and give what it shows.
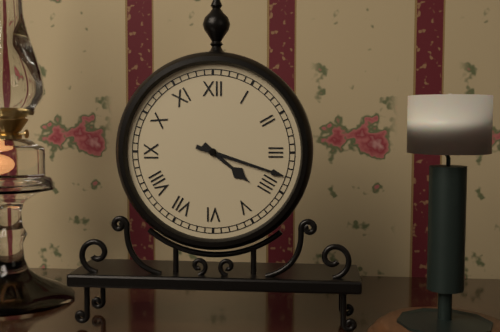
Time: {"hour": 4, "minute": 18}
